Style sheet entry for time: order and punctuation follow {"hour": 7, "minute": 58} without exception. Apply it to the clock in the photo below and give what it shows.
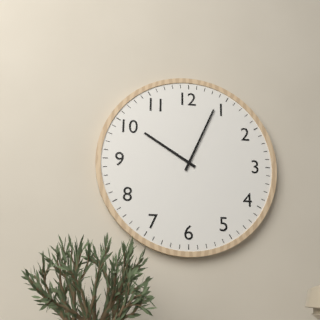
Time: {"hour": 10, "minute": 4}
